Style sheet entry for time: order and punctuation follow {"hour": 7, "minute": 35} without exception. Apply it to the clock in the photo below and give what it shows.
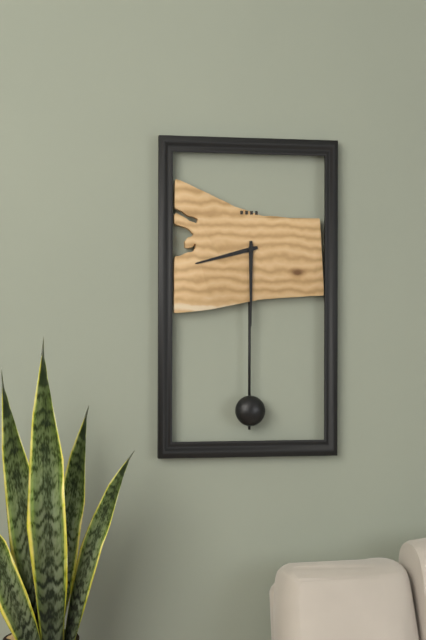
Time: {"hour": 8, "minute": 30}
